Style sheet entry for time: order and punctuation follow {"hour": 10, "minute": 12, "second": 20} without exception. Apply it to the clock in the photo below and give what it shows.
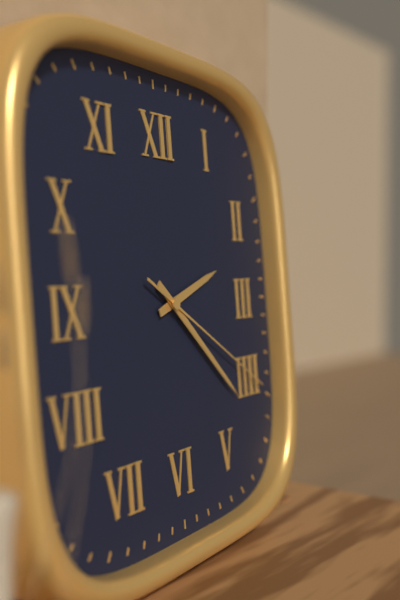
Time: {"hour": 2, "minute": 22, "second": 20}
